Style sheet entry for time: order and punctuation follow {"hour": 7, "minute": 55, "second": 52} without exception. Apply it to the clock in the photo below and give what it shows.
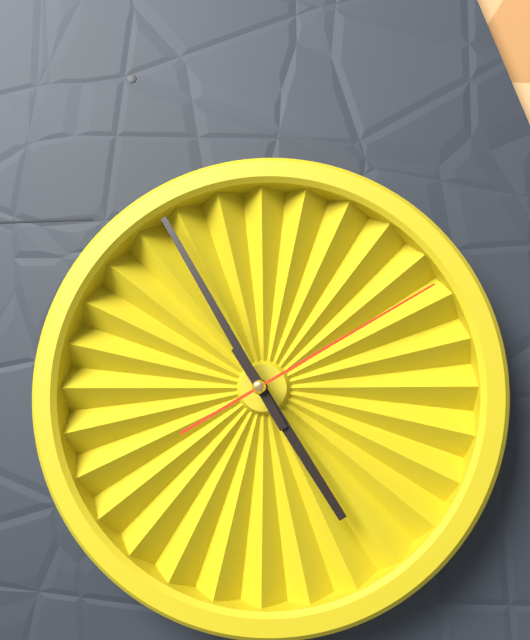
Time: {"hour": 4, "minute": 55, "second": 10}
